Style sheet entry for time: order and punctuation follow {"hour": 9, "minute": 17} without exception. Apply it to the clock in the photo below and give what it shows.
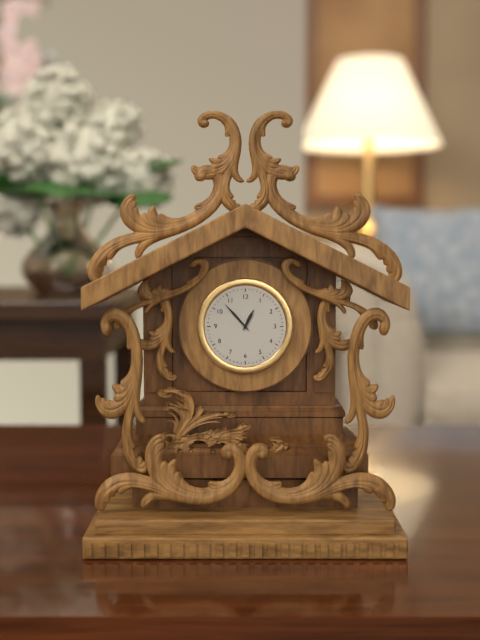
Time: {"hour": 12, "minute": 53}
